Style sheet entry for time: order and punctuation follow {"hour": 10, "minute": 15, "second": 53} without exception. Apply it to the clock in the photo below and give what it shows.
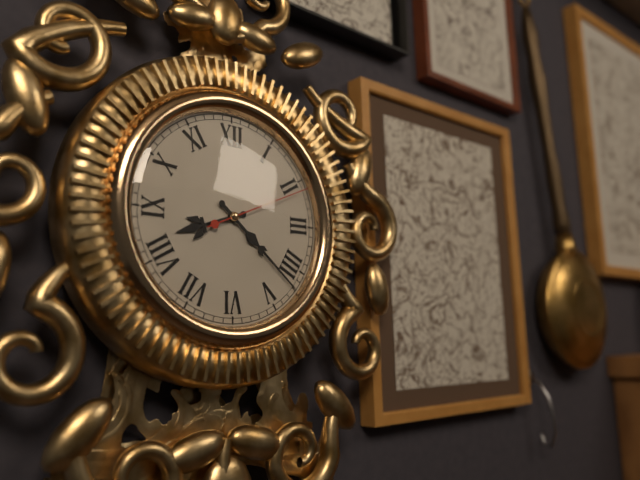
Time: {"hour": 8, "minute": 22, "second": 11}
